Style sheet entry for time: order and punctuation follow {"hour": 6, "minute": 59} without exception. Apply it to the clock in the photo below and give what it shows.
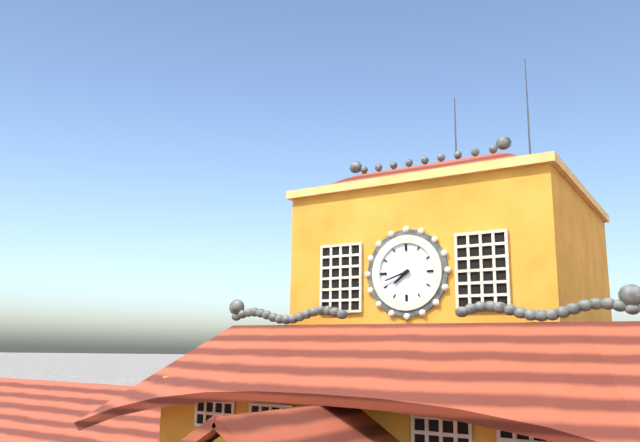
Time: {"hour": 7, "minute": 42}
